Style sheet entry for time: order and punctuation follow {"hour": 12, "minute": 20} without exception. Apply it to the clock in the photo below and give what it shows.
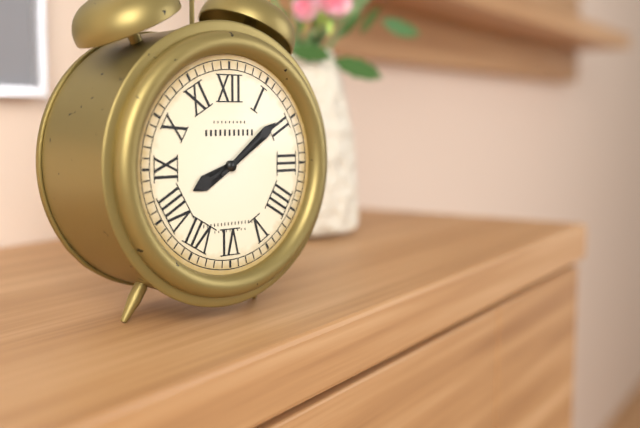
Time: {"hour": 8, "minute": 9}
